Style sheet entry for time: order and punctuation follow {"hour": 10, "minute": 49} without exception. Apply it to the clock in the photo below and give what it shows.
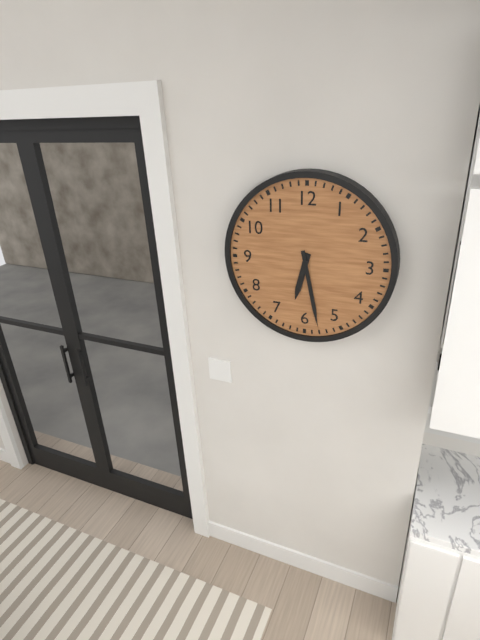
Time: {"hour": 6, "minute": 28}
